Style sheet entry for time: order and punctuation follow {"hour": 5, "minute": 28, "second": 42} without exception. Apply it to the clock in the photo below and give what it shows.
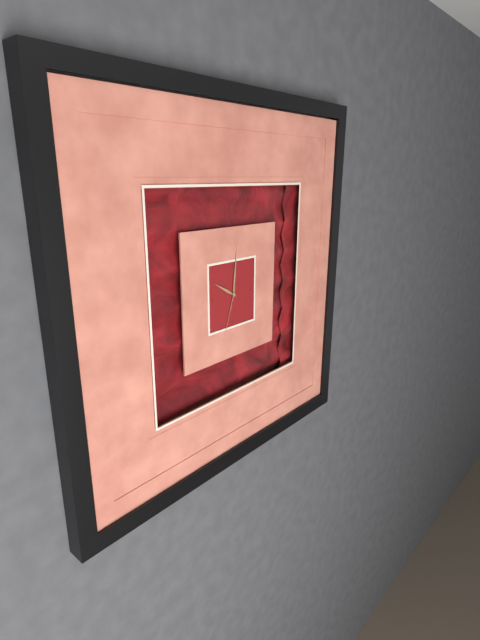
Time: {"hour": 10, "minute": 1, "second": 33}
